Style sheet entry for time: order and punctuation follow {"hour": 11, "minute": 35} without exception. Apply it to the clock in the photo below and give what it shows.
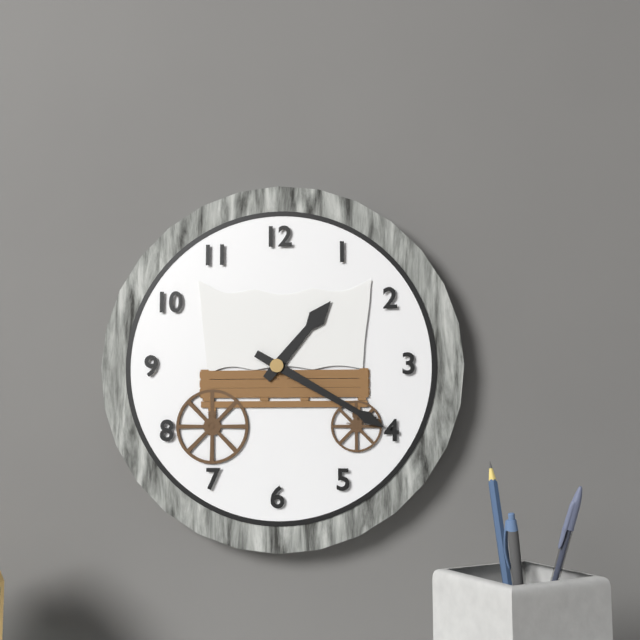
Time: {"hour": 1, "minute": 20}
